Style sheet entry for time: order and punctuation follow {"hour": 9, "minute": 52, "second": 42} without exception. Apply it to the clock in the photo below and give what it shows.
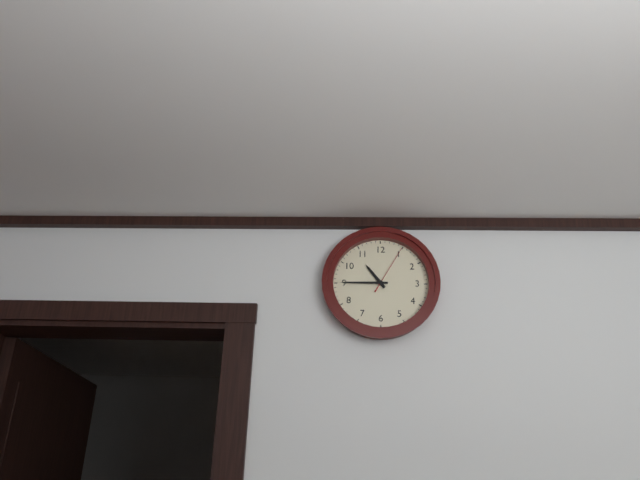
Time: {"hour": 10, "minute": 45, "second": 5}
